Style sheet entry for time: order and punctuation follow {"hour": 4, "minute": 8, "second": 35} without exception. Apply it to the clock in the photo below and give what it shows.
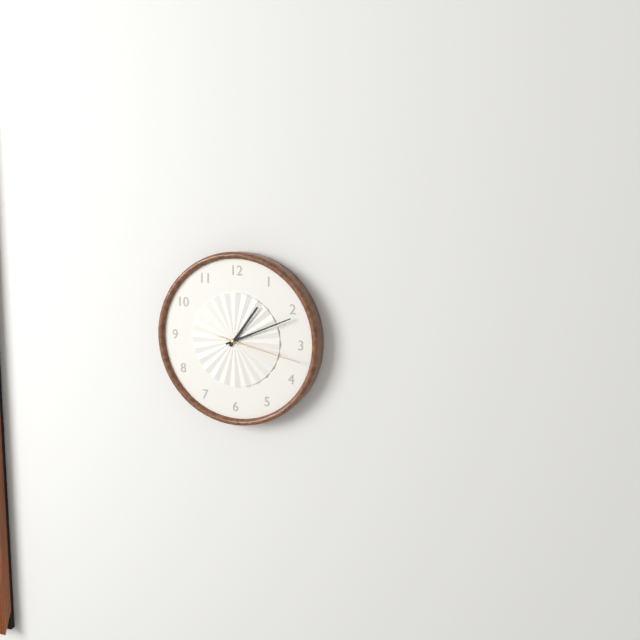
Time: {"hour": 1, "minute": 11, "second": 17}
